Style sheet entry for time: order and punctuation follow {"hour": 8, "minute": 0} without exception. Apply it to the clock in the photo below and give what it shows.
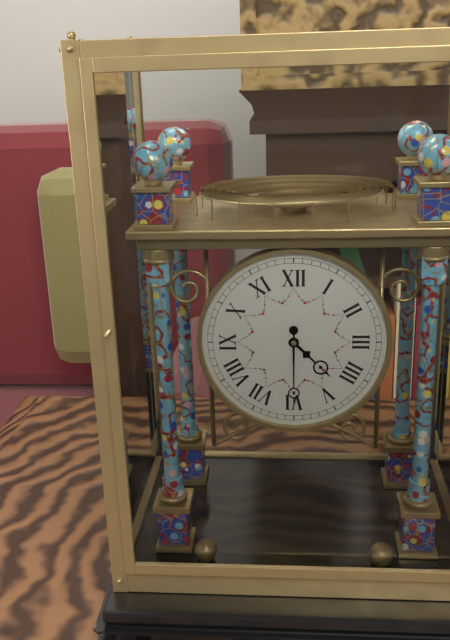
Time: {"hour": 4, "minute": 30}
